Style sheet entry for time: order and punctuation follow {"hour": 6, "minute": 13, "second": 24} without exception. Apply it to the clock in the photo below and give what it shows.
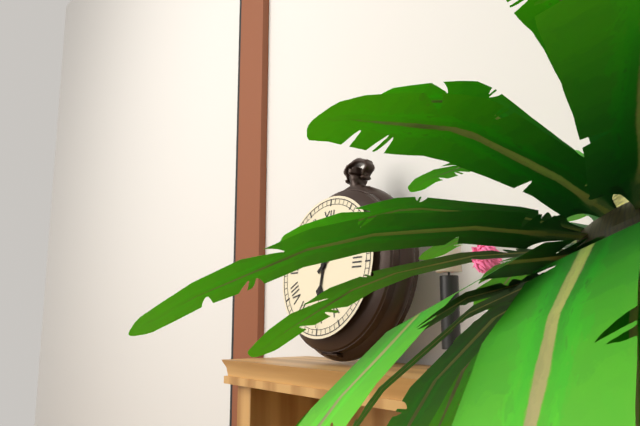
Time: {"hour": 6, "minute": 8, "second": 30}
